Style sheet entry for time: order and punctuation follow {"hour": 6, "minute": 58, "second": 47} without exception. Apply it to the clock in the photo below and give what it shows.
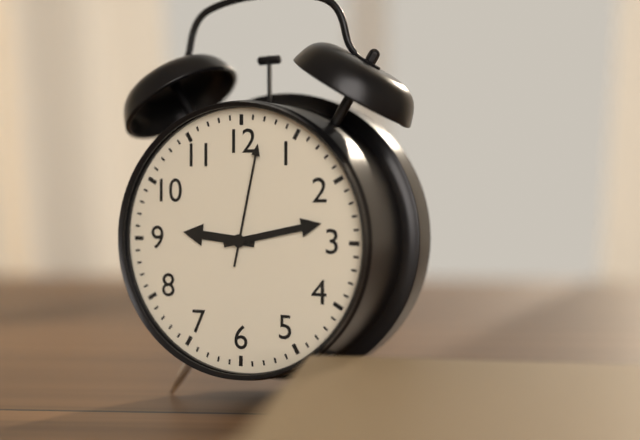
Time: {"hour": 9, "minute": 13, "second": 2}
